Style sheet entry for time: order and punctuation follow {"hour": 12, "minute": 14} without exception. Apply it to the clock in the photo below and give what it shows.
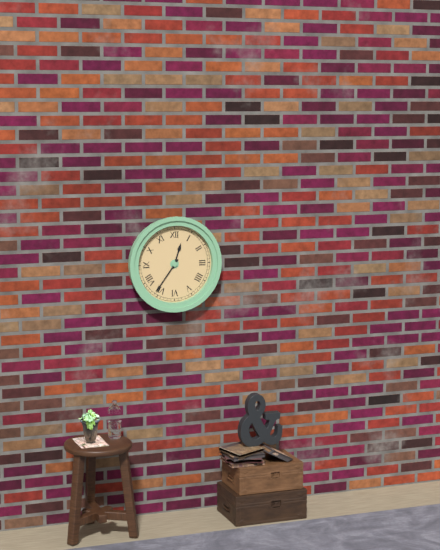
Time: {"hour": 12, "minute": 36}
